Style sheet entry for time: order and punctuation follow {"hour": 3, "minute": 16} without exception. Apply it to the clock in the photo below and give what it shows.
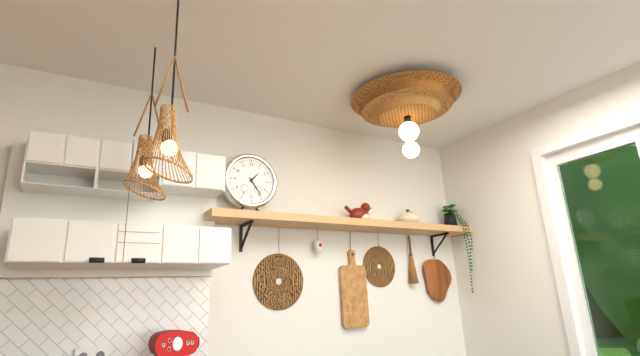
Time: {"hour": 1, "minute": 24}
